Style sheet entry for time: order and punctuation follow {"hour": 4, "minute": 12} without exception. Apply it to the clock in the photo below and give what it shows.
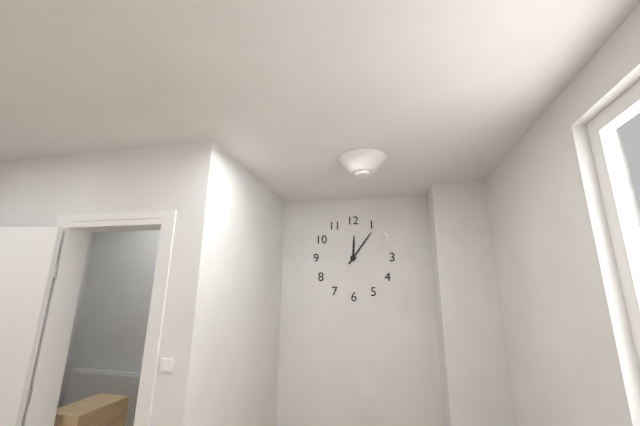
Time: {"hour": 12, "minute": 6}
